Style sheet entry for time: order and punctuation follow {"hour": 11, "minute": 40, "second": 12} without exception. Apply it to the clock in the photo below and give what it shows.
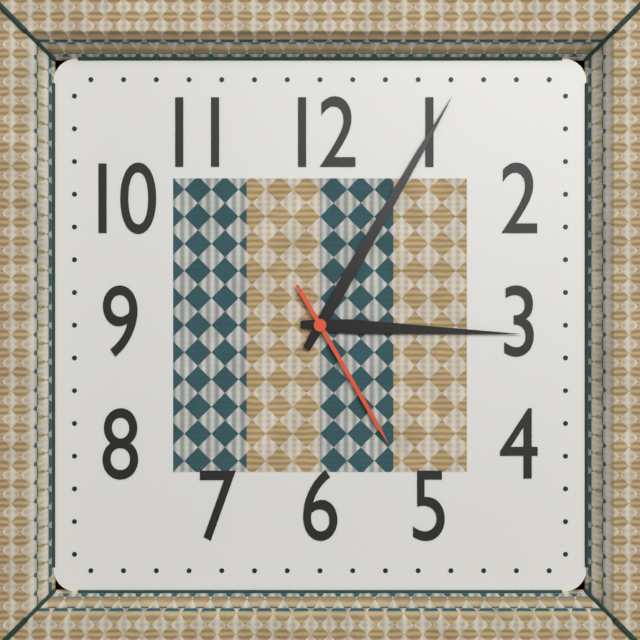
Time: {"hour": 3, "minute": 5, "second": 25}
